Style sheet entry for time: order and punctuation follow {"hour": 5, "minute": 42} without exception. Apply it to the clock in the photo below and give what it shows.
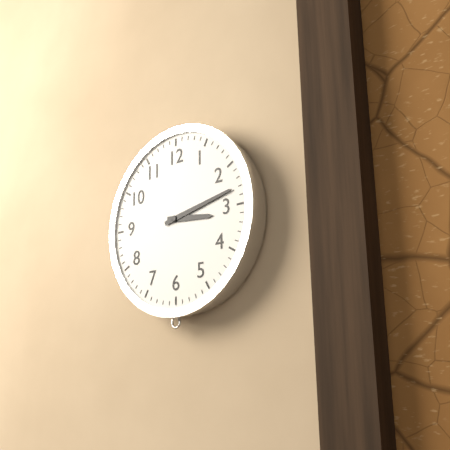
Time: {"hour": 3, "minute": 13}
